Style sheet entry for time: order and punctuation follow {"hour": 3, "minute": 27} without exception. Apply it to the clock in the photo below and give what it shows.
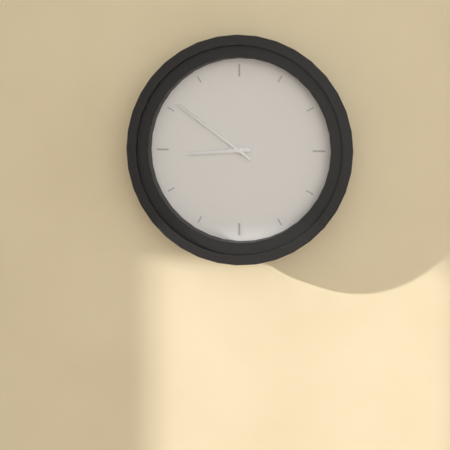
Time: {"hour": 8, "minute": 51}
